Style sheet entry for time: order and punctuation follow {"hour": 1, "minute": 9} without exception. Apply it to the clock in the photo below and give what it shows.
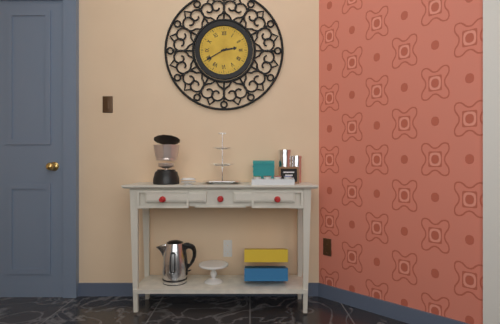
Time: {"hour": 2, "minute": 40}
